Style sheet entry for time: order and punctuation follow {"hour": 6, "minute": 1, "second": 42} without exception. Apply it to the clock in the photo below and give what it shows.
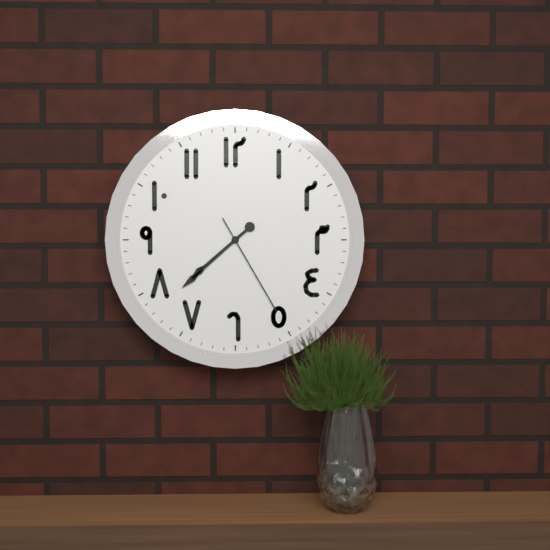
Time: {"hour": 7, "minute": 38, "second": 25}
